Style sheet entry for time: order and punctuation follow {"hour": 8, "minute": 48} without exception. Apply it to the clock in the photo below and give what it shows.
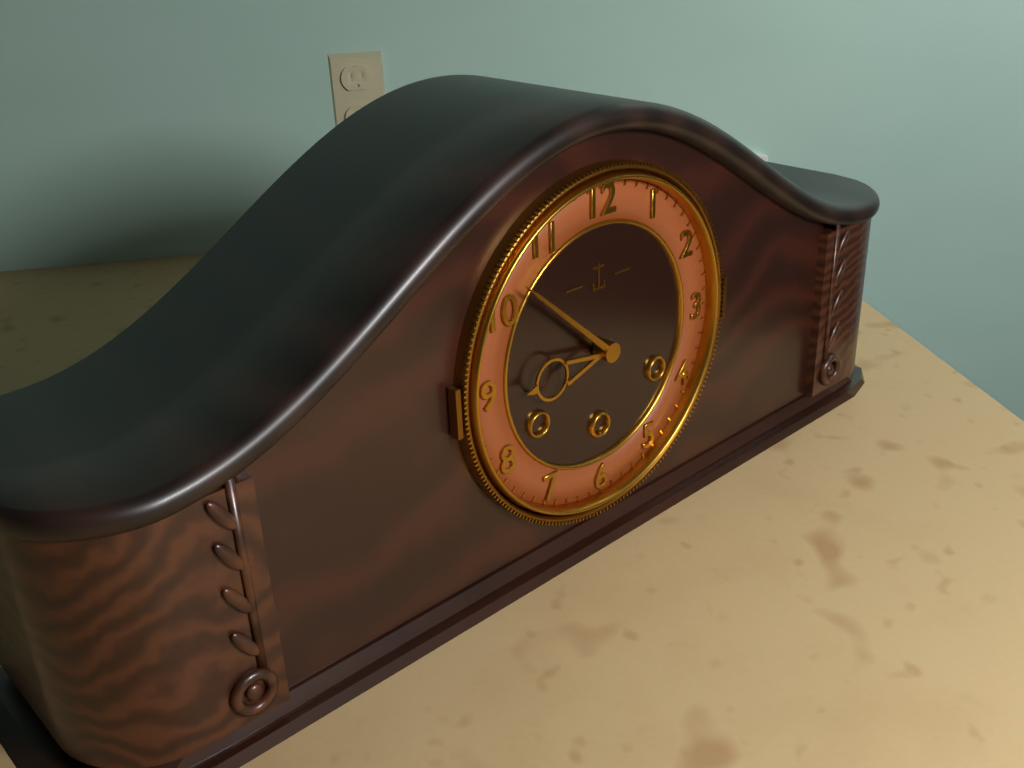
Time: {"hour": 8, "minute": 52}
